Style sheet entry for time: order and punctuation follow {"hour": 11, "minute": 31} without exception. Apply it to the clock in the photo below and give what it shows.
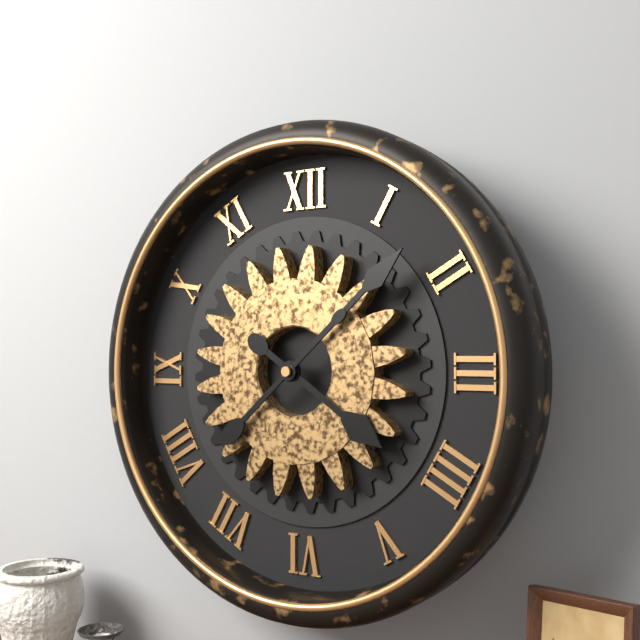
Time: {"hour": 4, "minute": 8}
